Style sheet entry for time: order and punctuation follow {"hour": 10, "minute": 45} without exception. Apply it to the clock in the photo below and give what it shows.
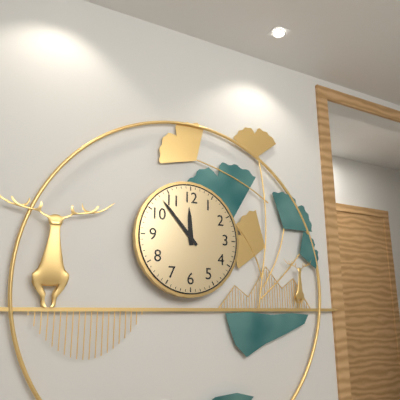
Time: {"hour": 11, "minute": 53}
